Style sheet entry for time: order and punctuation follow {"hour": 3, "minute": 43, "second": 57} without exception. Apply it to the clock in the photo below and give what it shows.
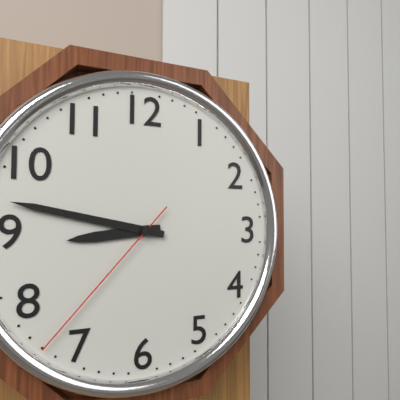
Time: {"hour": 8, "minute": 47, "second": 37}
